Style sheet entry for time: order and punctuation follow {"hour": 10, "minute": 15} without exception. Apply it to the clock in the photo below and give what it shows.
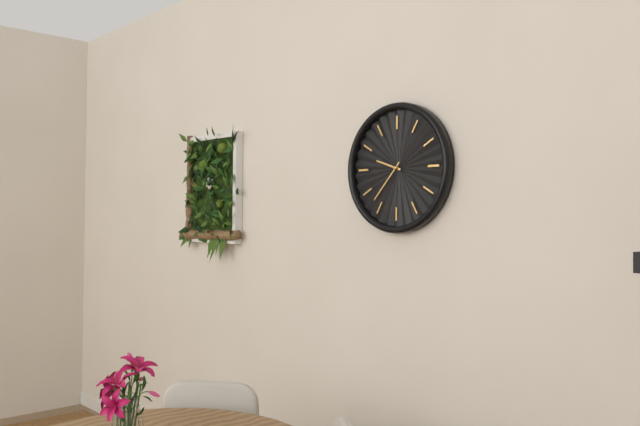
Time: {"hour": 9, "minute": 37}
